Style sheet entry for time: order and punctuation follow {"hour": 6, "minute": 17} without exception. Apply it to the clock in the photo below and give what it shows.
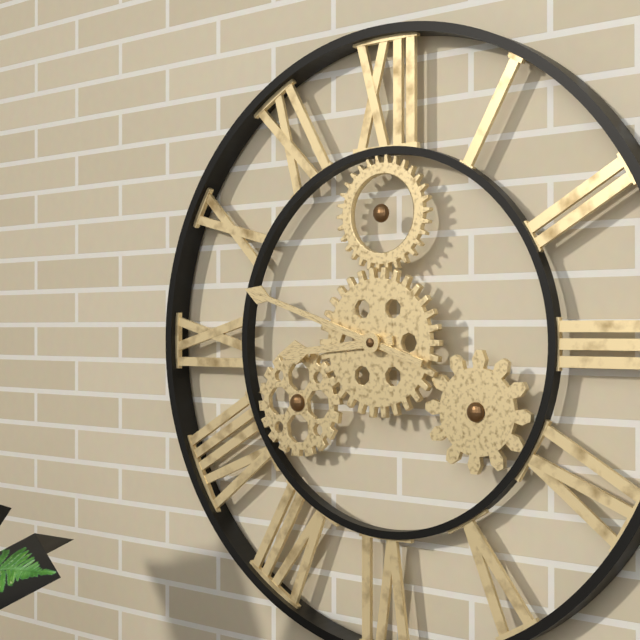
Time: {"hour": 8, "minute": 48}
